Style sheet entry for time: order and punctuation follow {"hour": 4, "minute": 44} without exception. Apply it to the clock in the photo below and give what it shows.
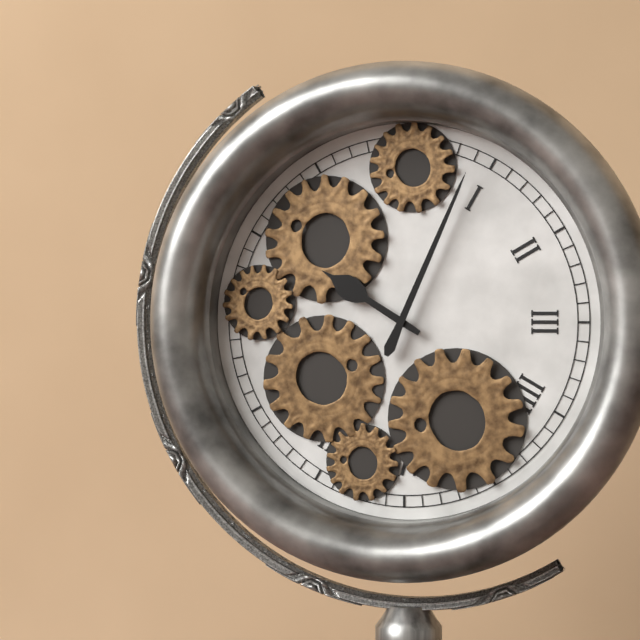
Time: {"hour": 10, "minute": 4}
